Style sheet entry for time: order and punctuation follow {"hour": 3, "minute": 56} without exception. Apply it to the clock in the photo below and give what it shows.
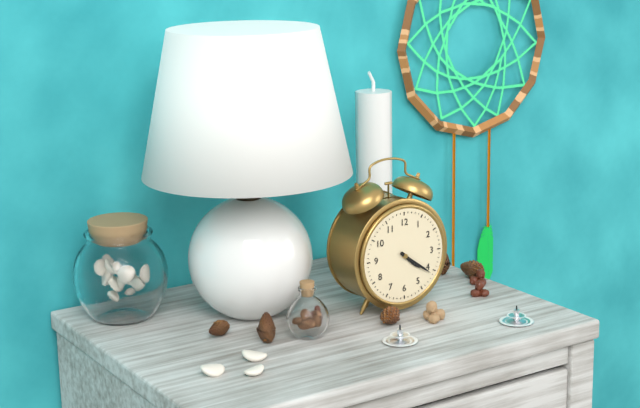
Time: {"hour": 4, "minute": 21}
